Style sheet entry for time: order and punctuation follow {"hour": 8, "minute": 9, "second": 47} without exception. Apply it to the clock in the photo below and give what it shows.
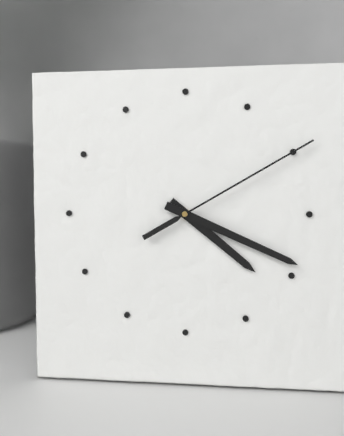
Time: {"hour": 4, "minute": 19, "second": 10}
